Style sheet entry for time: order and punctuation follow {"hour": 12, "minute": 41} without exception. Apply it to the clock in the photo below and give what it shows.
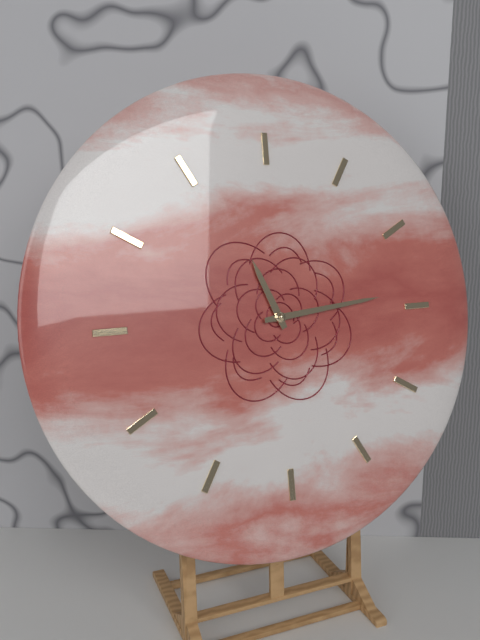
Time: {"hour": 11, "minute": 14}
